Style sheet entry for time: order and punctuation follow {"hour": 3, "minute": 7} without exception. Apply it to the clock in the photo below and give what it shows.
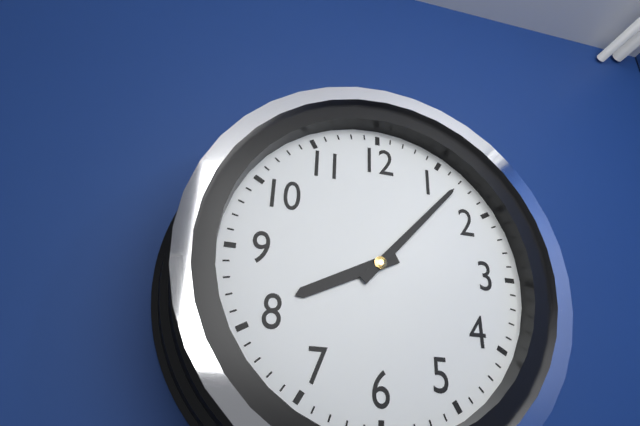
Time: {"hour": 8, "minute": 7}
